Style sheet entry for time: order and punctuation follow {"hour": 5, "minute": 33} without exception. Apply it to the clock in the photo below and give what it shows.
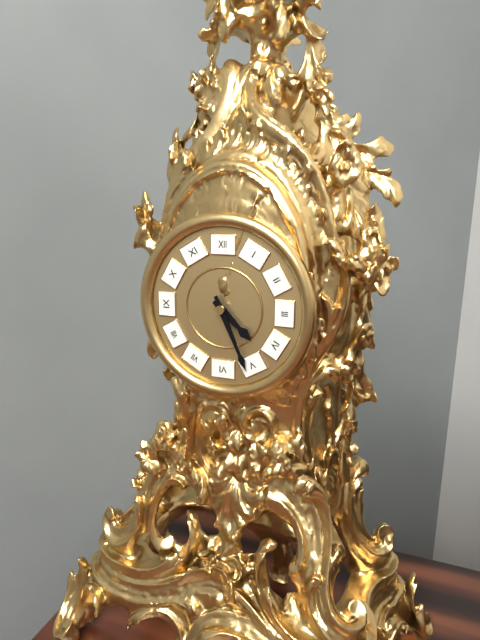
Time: {"hour": 4, "minute": 26}
